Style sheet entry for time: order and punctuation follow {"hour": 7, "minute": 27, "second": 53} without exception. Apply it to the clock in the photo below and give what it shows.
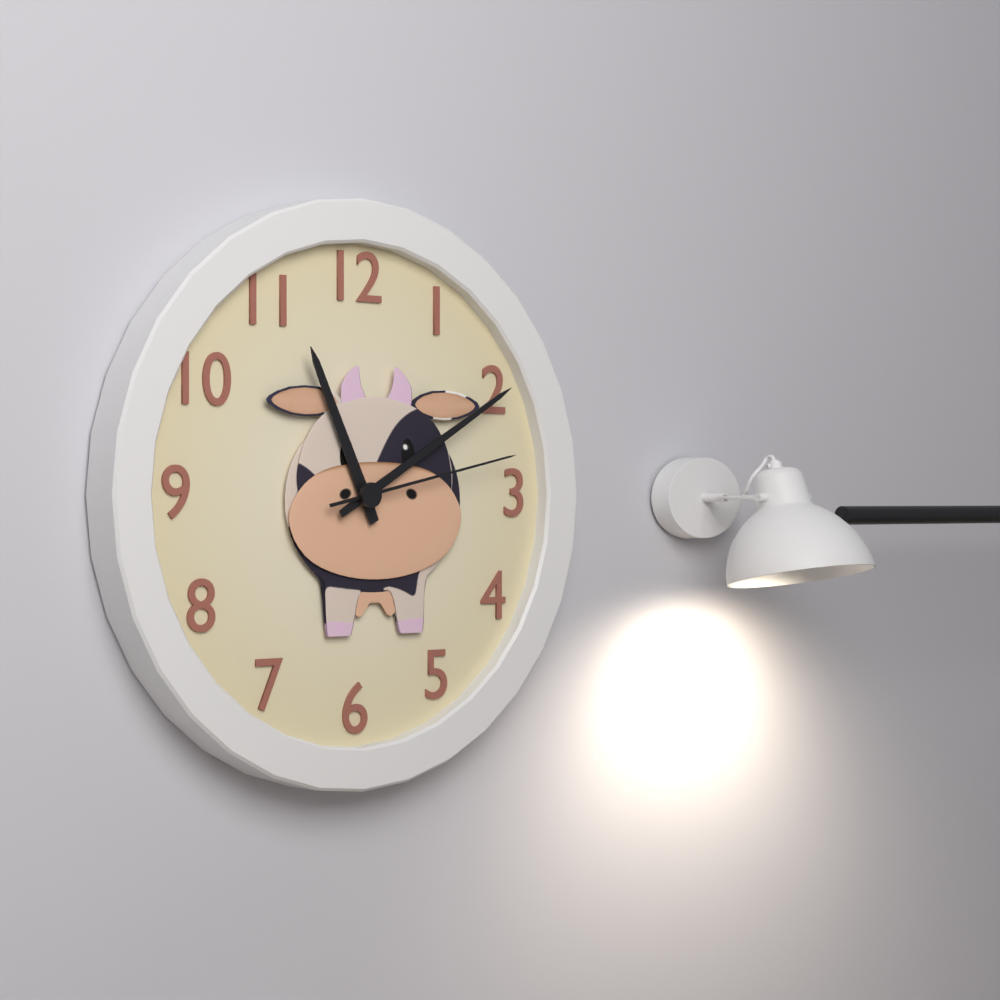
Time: {"hour": 11, "minute": 10, "second": 13}
